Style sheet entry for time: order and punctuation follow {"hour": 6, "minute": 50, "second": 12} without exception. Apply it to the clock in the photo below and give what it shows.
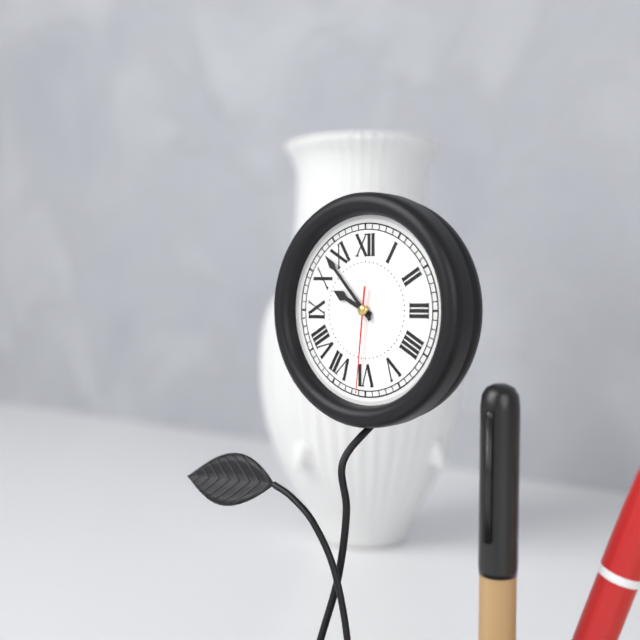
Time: {"hour": 9, "minute": 53, "second": 31}
